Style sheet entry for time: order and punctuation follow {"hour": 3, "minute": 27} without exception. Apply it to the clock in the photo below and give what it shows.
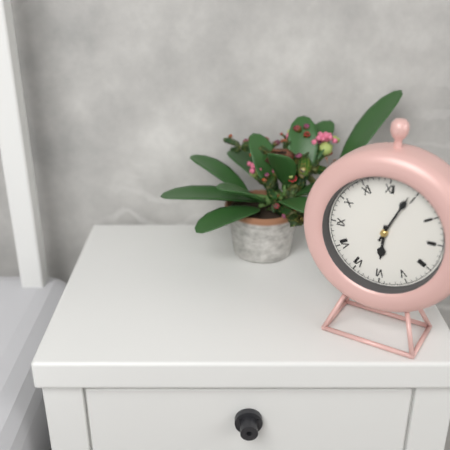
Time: {"hour": 6, "minute": 4}
